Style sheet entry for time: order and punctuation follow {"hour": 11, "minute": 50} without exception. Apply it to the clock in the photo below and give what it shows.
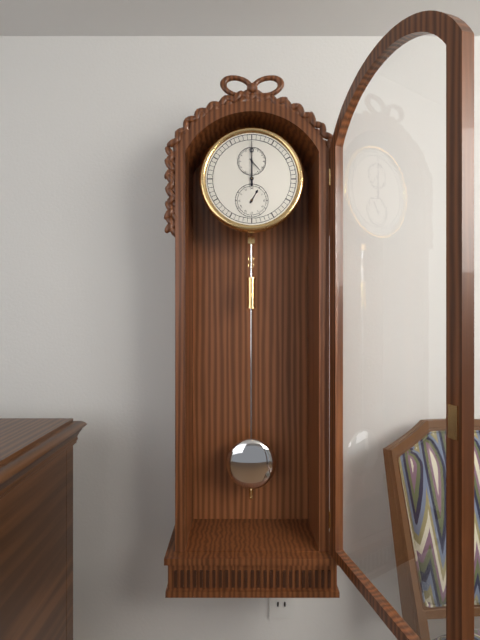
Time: {"hour": 1, "minute": 0}
